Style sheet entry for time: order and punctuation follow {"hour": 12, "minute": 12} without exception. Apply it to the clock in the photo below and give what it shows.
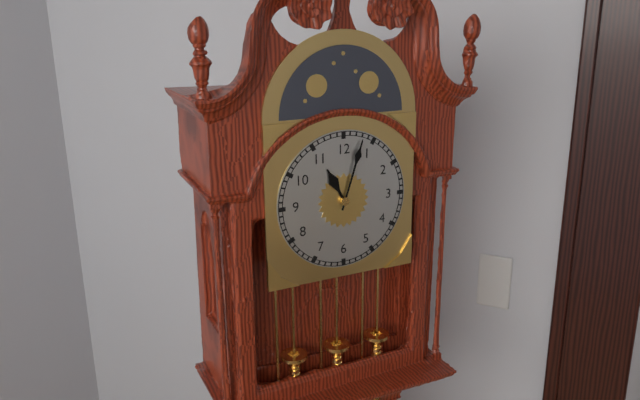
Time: {"hour": 11, "minute": 3}
